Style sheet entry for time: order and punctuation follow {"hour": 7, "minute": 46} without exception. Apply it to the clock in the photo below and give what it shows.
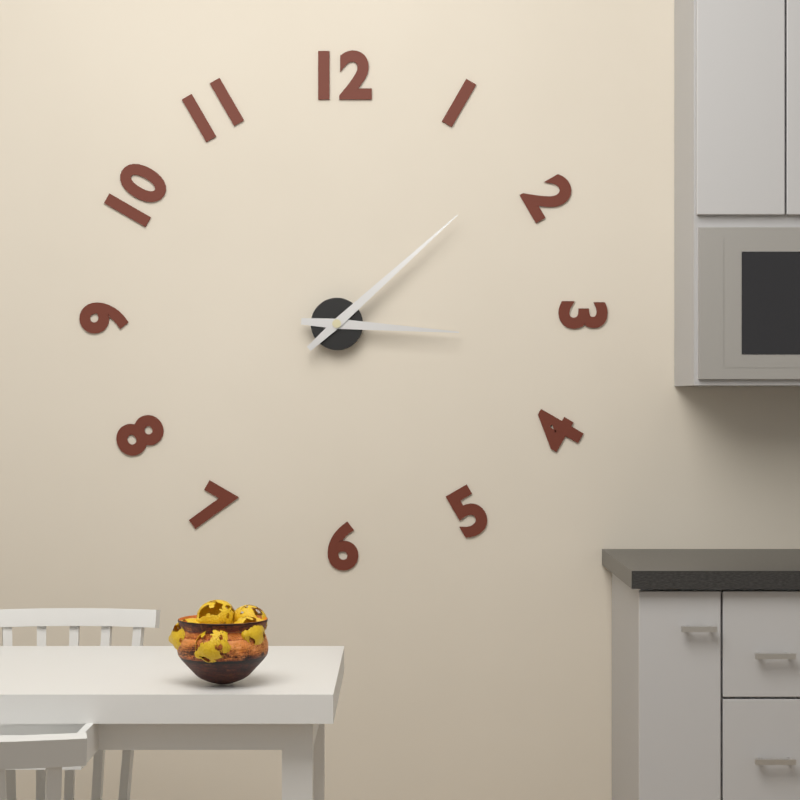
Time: {"hour": 3, "minute": 8}
